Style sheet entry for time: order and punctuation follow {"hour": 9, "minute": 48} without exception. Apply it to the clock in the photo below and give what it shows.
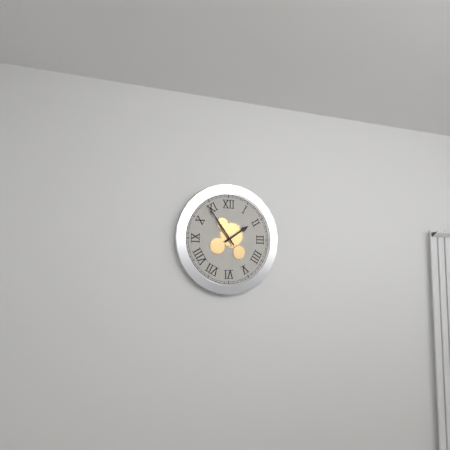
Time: {"hour": 1, "minute": 54}
